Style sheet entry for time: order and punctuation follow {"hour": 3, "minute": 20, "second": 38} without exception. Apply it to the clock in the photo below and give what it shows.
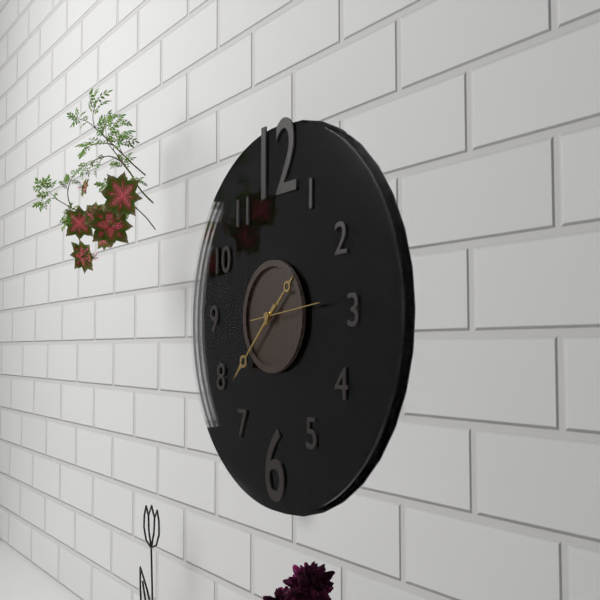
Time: {"hour": 1, "minute": 38, "second": 14}
